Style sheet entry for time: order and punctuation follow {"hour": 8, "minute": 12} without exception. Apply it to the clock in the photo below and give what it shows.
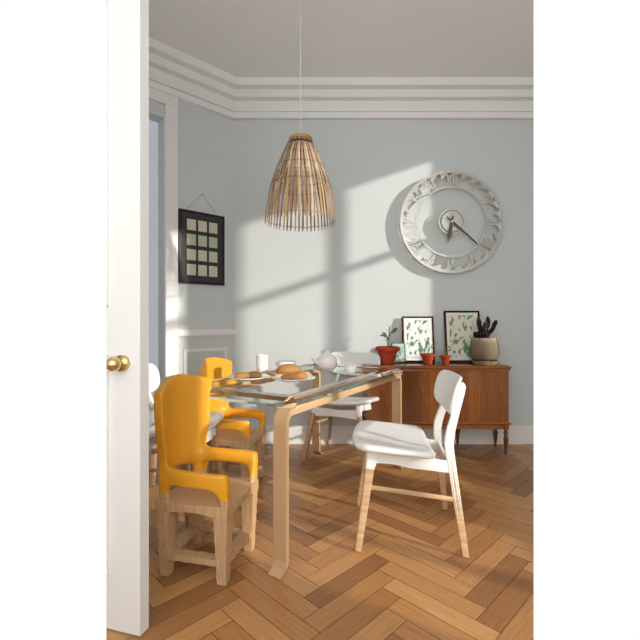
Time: {"hour": 6, "minute": 22}
